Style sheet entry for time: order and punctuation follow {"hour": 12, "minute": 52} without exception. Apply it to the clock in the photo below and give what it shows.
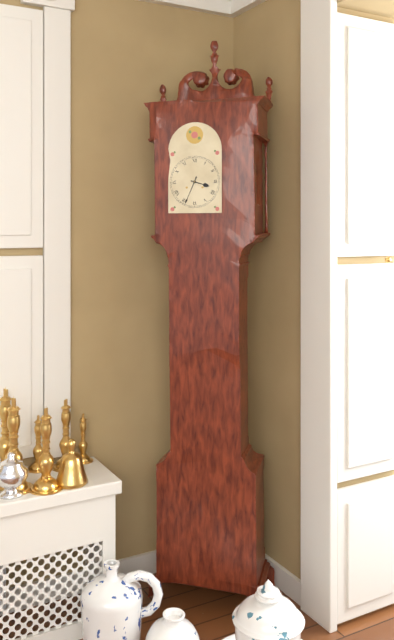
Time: {"hour": 3, "minute": 34}
